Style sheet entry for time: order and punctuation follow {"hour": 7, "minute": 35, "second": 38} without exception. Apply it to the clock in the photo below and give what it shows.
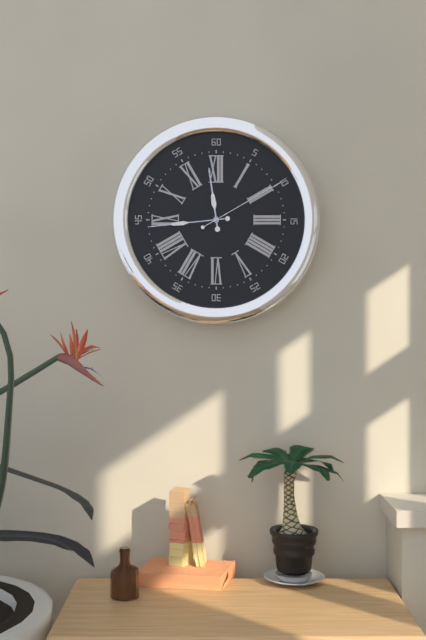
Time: {"hour": 11, "minute": 44, "second": 10}
